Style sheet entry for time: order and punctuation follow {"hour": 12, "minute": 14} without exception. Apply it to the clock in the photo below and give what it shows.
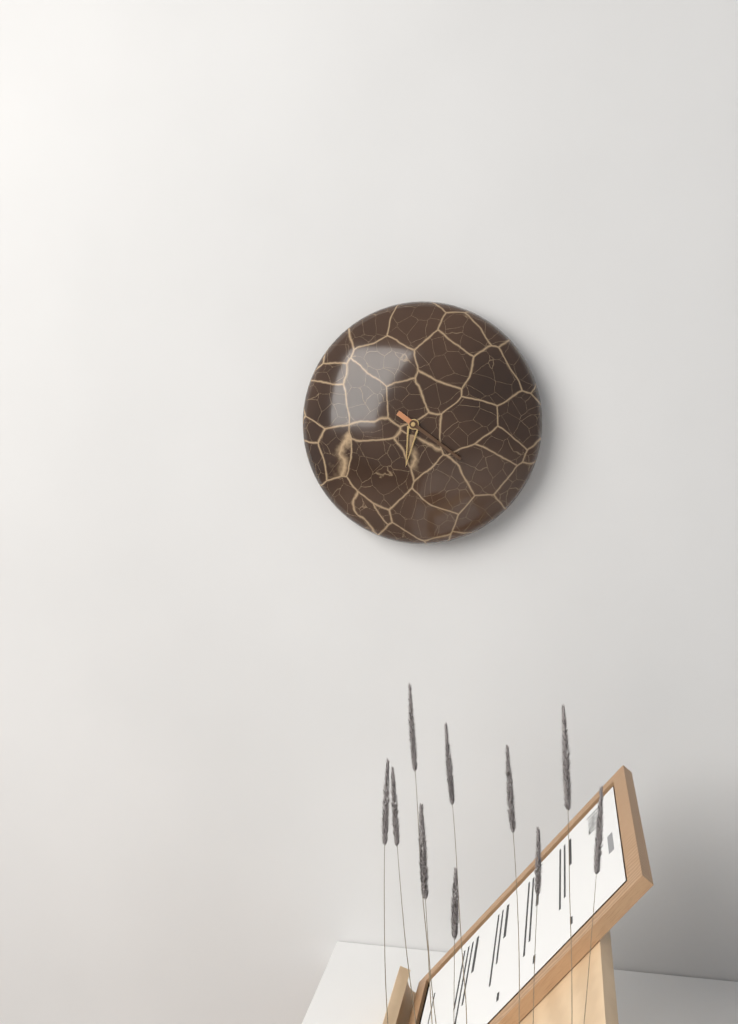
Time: {"hour": 6, "minute": 21}
